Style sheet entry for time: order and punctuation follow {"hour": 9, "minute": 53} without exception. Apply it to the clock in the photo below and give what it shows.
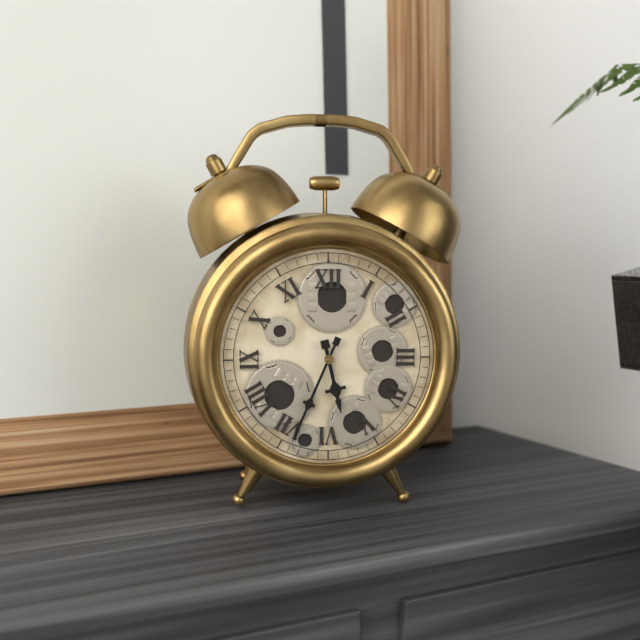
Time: {"hour": 5, "minute": 34}
